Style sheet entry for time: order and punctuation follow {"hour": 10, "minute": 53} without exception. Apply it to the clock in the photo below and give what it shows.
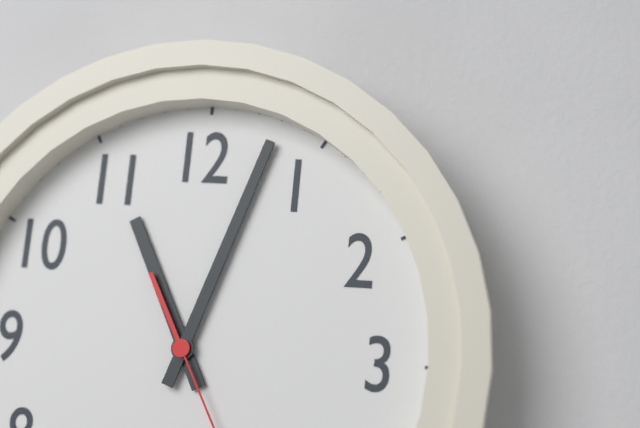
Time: {"hour": 11, "minute": 3}
